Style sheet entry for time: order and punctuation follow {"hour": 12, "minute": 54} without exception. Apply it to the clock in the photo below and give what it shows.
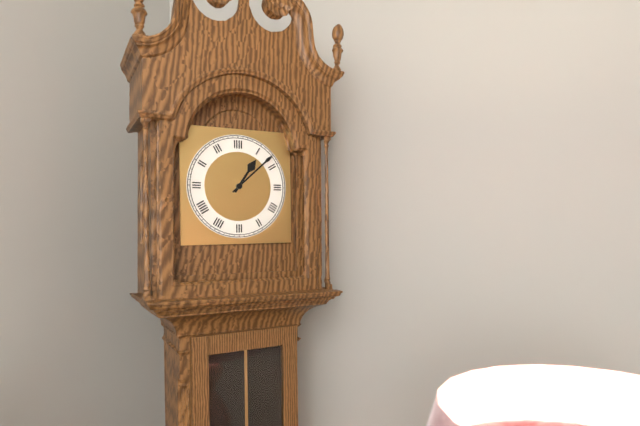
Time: {"hour": 1, "minute": 8}
